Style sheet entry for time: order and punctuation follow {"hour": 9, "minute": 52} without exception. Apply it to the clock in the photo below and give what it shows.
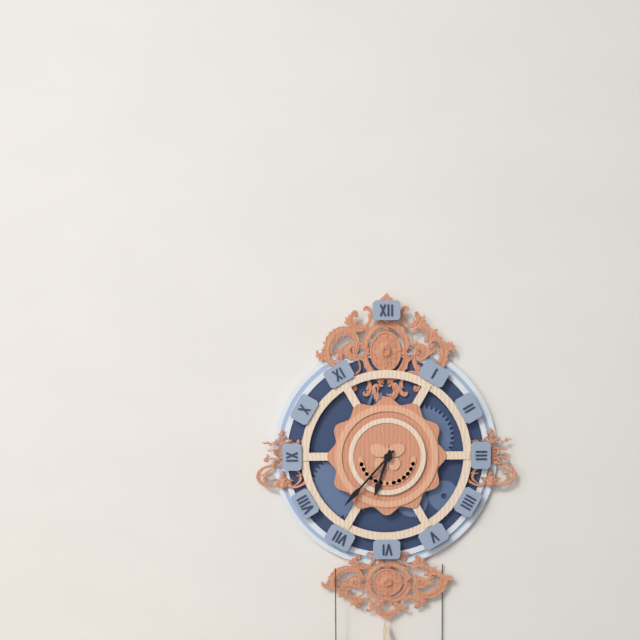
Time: {"hour": 6, "minute": 37}
